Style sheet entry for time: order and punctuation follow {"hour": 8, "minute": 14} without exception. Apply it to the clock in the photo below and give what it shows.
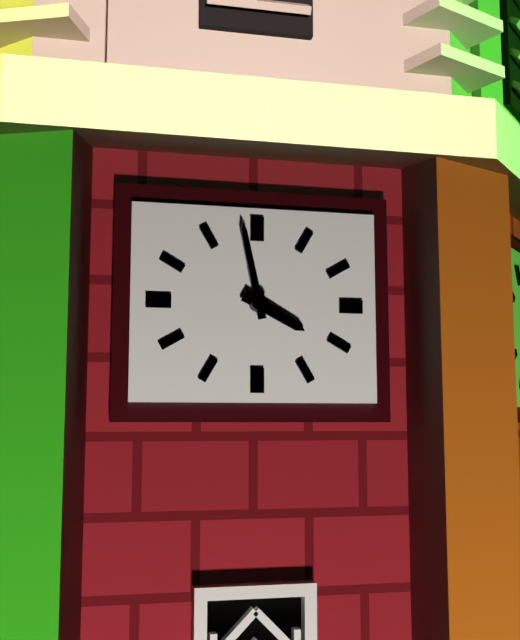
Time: {"hour": 3, "minute": 58}
